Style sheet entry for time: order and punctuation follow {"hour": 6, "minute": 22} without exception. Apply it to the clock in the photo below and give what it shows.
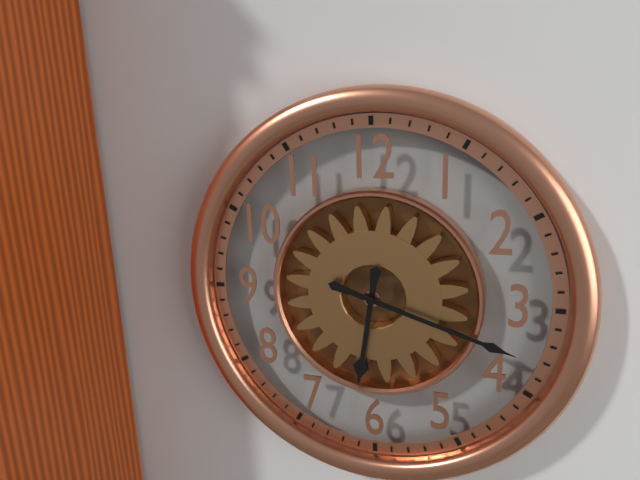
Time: {"hour": 6, "minute": 18}
